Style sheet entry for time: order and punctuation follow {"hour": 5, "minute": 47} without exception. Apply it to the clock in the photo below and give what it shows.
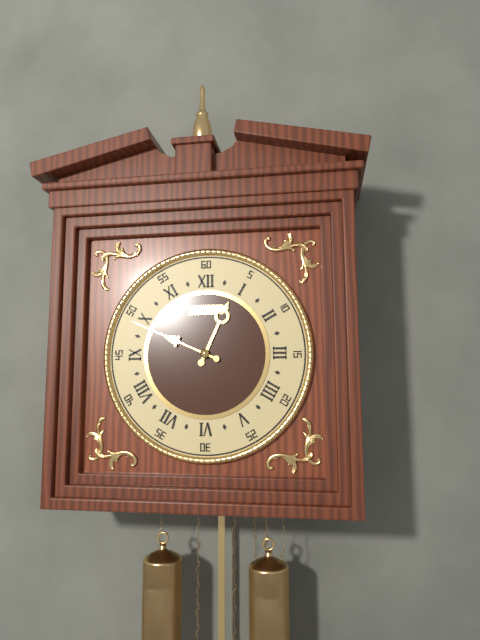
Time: {"hour": 12, "minute": 49}
